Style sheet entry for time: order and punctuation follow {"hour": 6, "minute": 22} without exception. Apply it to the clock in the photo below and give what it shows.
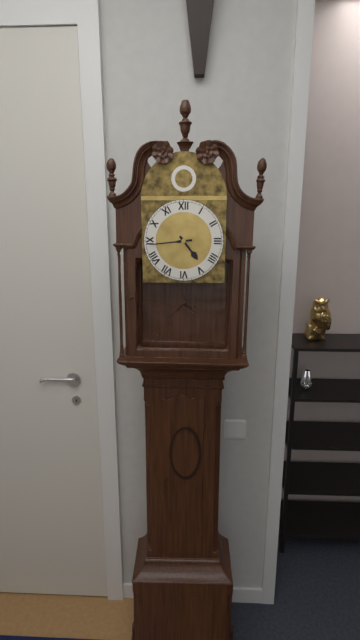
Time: {"hour": 4, "minute": 44}
